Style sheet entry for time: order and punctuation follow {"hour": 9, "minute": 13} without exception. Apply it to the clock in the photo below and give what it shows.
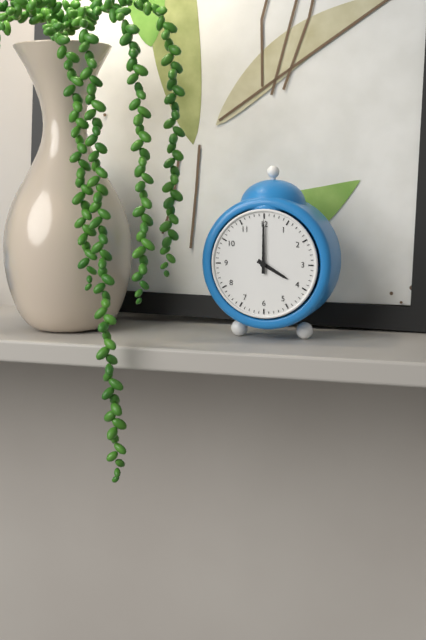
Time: {"hour": 4, "minute": 0}
